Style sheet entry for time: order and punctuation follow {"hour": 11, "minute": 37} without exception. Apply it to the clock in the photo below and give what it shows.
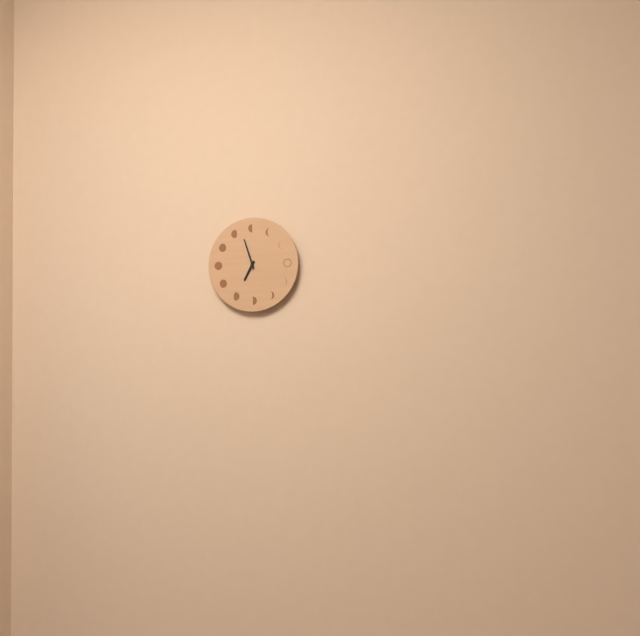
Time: {"hour": 6, "minute": 57}
